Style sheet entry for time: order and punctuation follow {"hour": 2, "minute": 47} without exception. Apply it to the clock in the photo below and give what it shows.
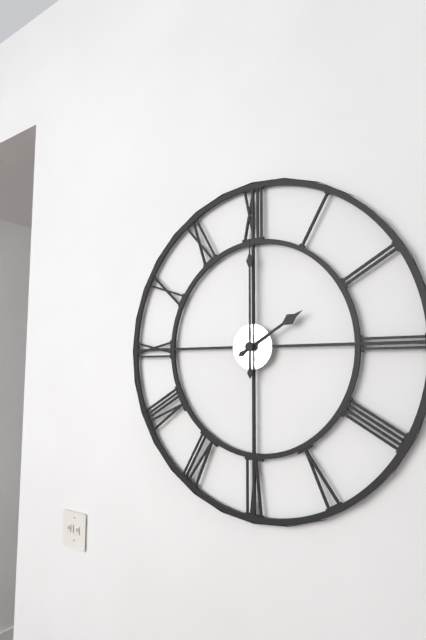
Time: {"hour": 2, "minute": 0}
